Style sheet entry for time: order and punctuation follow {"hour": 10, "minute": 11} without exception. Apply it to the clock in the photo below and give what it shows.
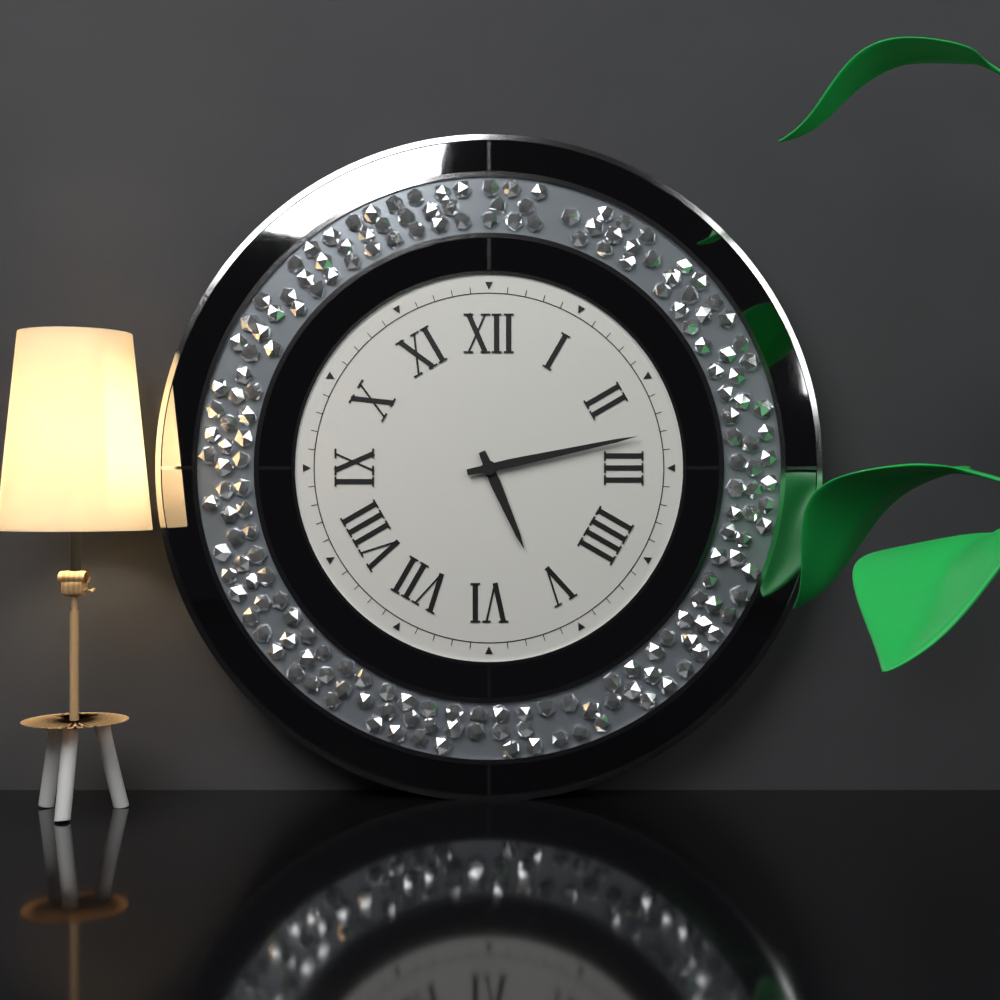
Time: {"hour": 5, "minute": 13}
